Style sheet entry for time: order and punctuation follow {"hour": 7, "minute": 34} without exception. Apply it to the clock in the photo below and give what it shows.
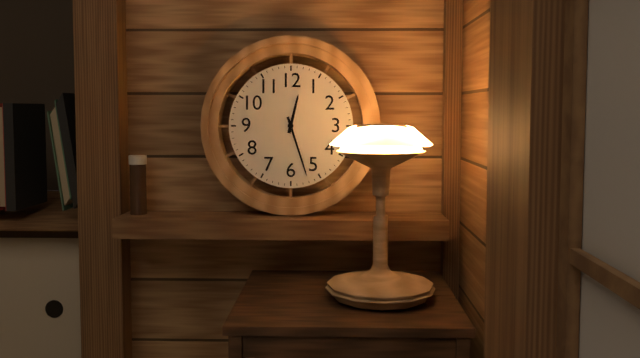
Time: {"hour": 12, "minute": 27}
